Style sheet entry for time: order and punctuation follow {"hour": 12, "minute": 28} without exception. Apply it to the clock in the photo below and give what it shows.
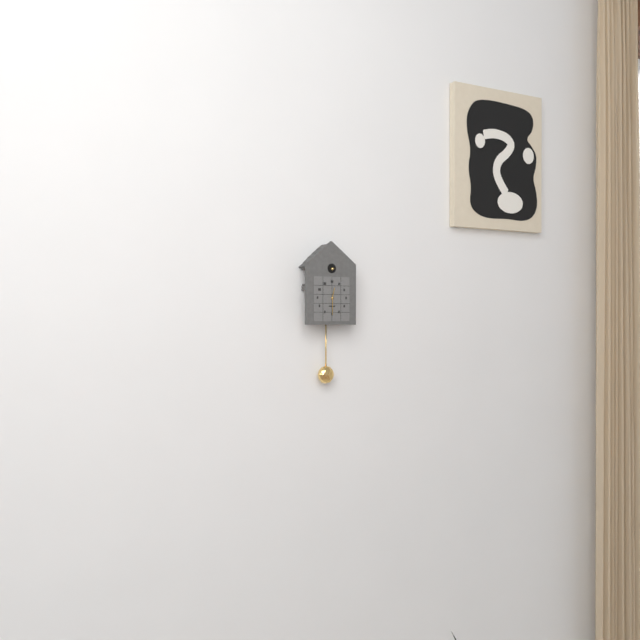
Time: {"hour": 12, "minute": 30}
